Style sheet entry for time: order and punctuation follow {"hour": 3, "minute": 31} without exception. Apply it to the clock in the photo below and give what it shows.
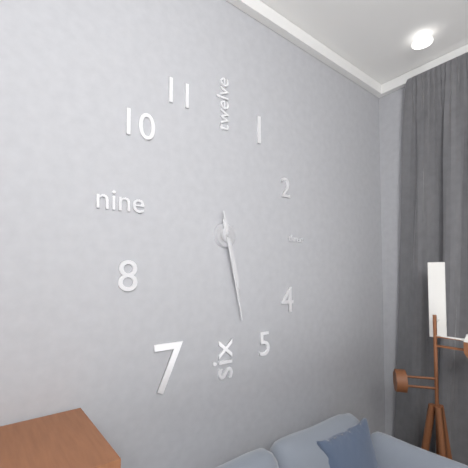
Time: {"hour": 5, "minute": 28}
